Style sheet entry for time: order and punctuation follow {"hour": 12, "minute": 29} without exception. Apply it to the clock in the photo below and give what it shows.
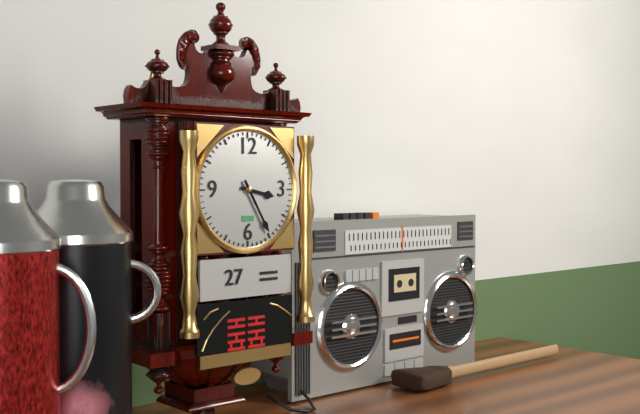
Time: {"hour": 3, "minute": 25}
